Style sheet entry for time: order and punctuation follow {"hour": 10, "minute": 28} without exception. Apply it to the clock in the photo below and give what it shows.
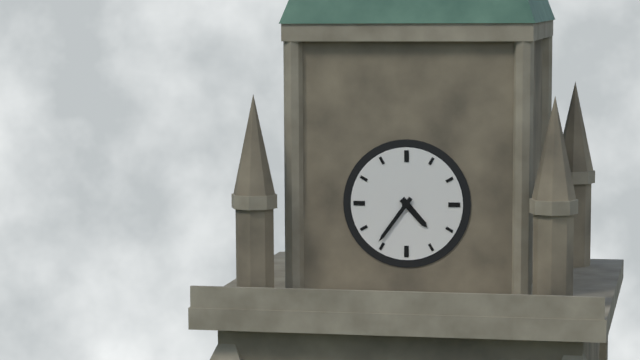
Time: {"hour": 4, "minute": 36}
